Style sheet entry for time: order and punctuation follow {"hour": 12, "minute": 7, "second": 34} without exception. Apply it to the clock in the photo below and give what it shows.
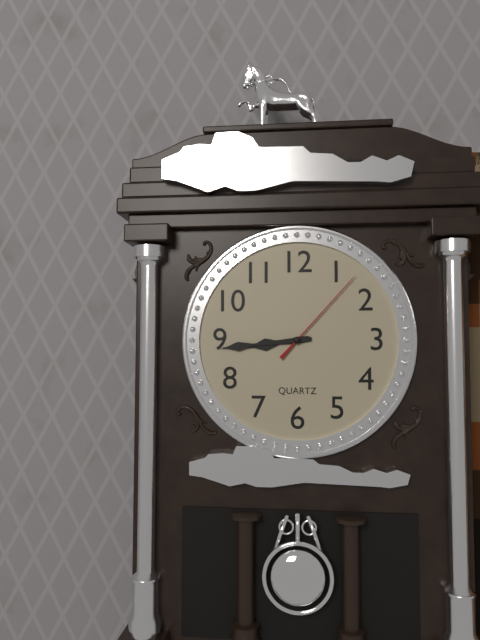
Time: {"hour": 8, "minute": 44, "second": 7}
